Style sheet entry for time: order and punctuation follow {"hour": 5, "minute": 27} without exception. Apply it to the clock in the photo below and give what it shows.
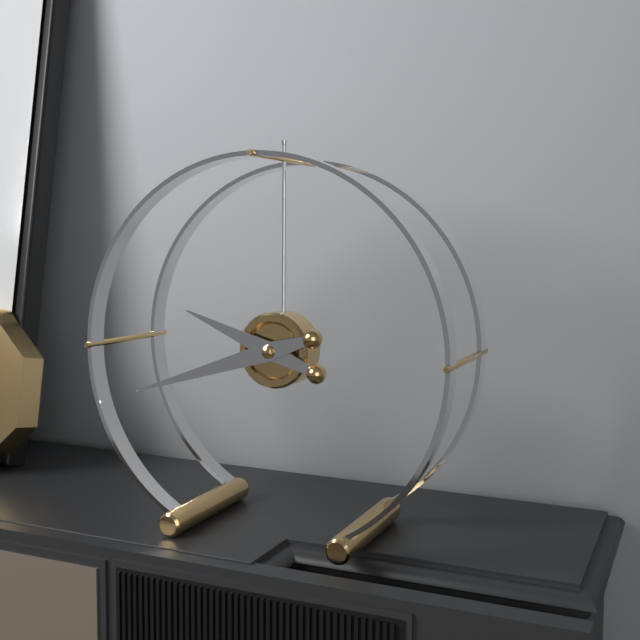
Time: {"hour": 9, "minute": 42}
